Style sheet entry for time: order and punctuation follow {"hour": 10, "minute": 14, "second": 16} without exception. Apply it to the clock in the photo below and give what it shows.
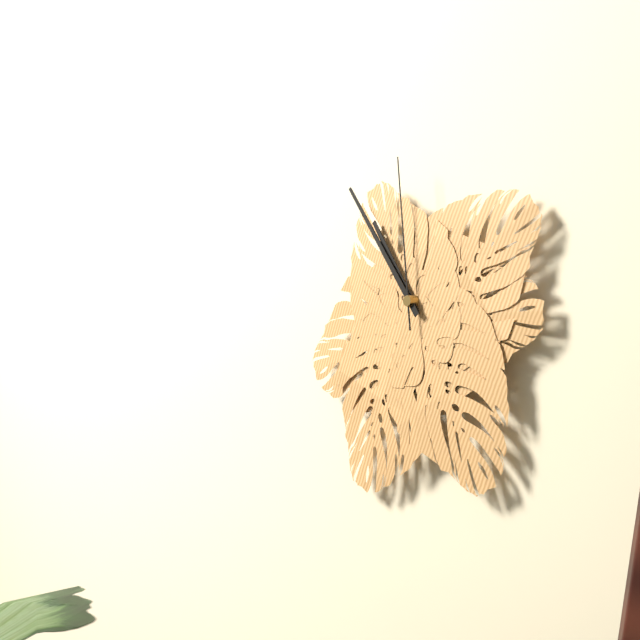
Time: {"hour": 10, "minute": 54, "second": 59}
